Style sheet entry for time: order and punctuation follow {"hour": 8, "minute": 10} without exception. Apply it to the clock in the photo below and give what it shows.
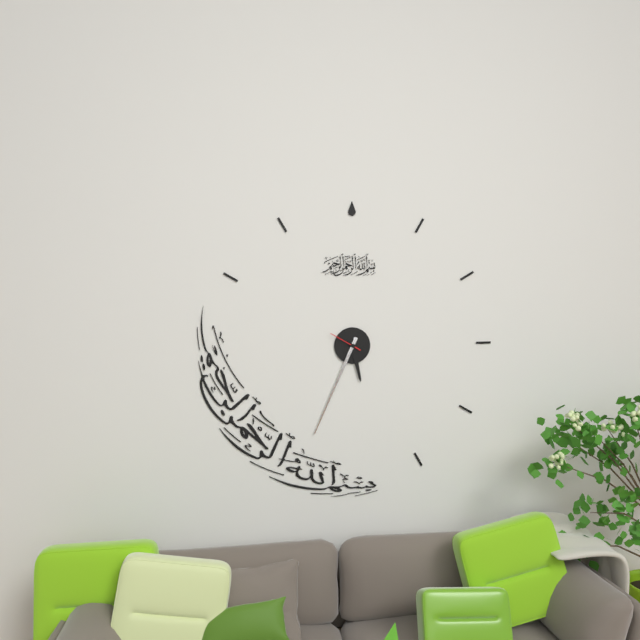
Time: {"hour": 5, "minute": 34}
